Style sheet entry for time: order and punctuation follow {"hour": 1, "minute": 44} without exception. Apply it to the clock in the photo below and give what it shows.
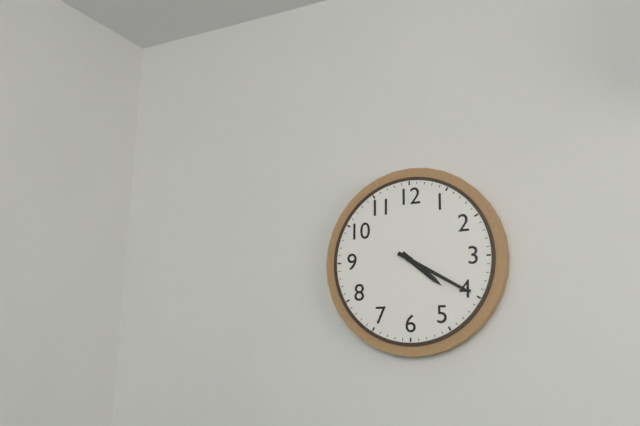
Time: {"hour": 4, "minute": 20}
